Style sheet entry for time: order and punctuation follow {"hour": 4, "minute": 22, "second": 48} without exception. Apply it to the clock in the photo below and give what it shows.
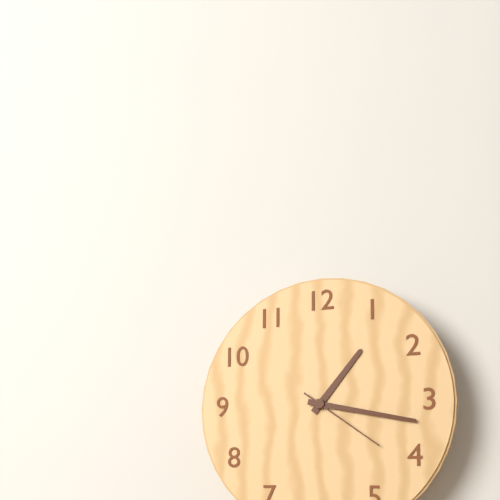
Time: {"hour": 1, "minute": 17, "second": 21}
